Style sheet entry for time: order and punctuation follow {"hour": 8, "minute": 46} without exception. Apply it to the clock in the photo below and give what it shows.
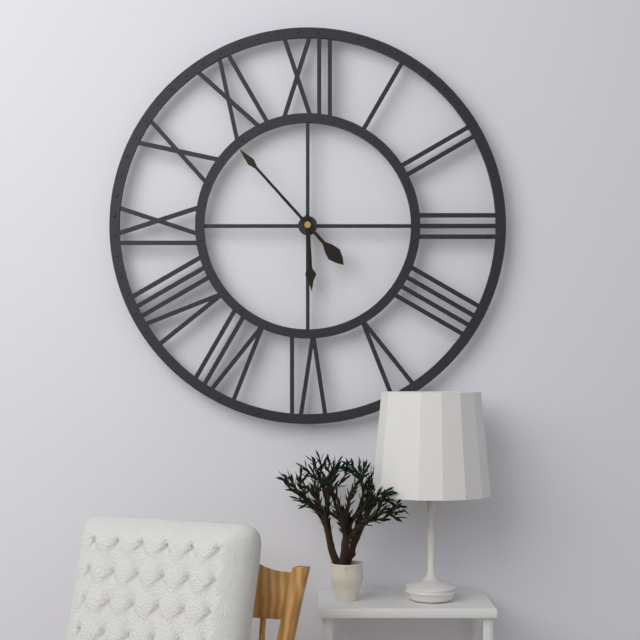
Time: {"hour": 5, "minute": 53}
